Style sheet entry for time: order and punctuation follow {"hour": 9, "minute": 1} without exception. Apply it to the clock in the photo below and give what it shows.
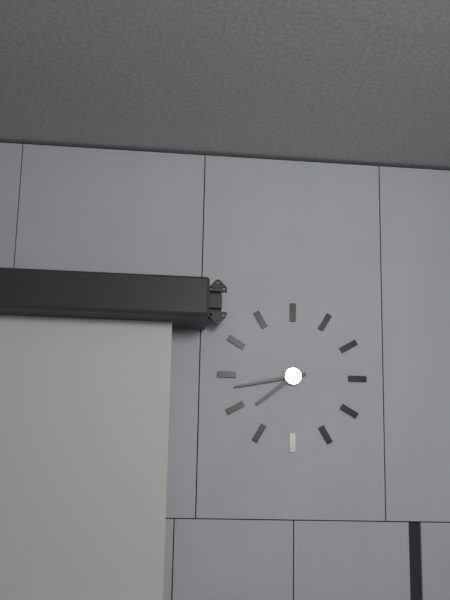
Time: {"hour": 7, "minute": 43}
